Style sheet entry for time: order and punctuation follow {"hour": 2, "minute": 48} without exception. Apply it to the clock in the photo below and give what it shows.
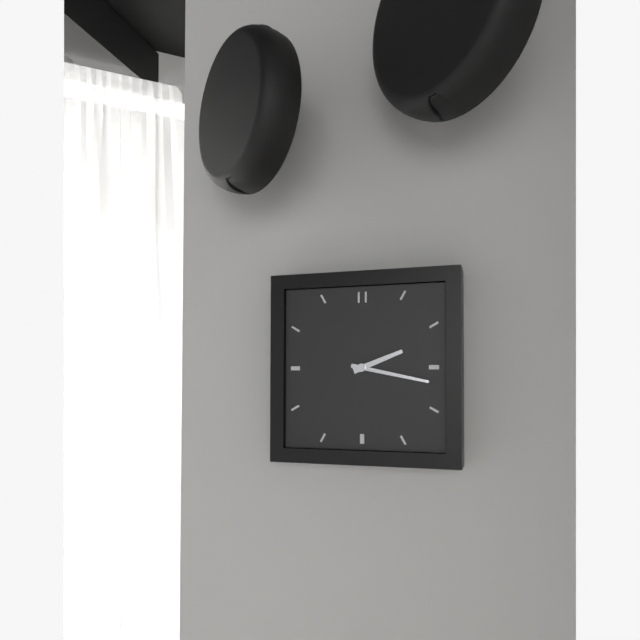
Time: {"hour": 2, "minute": 17}
